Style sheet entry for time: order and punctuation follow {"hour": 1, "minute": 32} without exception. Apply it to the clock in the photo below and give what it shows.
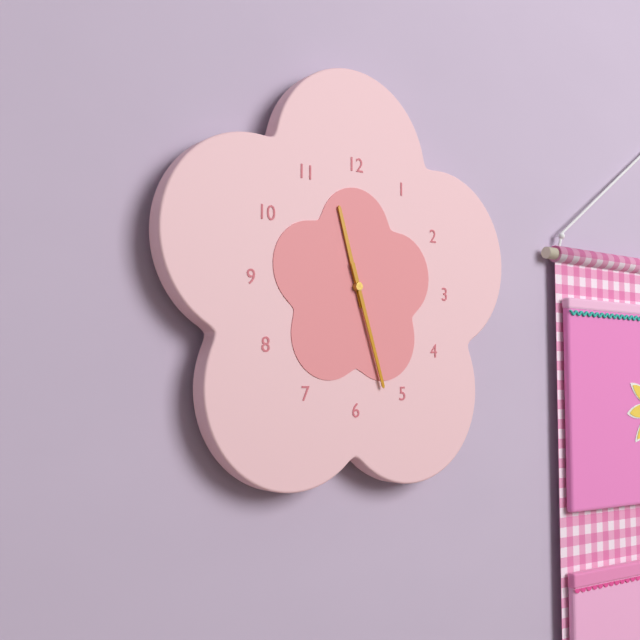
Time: {"hour": 11, "minute": 27}
